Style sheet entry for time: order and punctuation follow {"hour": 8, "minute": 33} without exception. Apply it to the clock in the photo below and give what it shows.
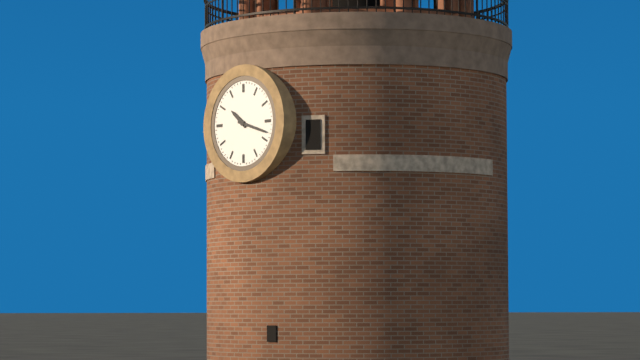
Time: {"hour": 10, "minute": 18}
